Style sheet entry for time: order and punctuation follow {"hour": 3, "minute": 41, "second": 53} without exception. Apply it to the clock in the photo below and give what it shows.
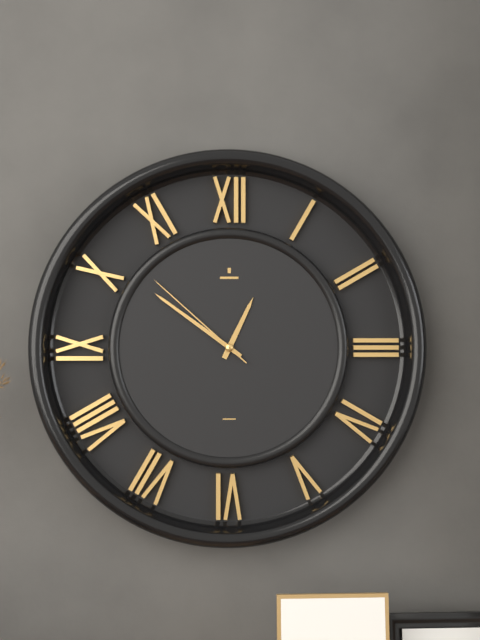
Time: {"hour": 12, "minute": 51, "second": 52}
